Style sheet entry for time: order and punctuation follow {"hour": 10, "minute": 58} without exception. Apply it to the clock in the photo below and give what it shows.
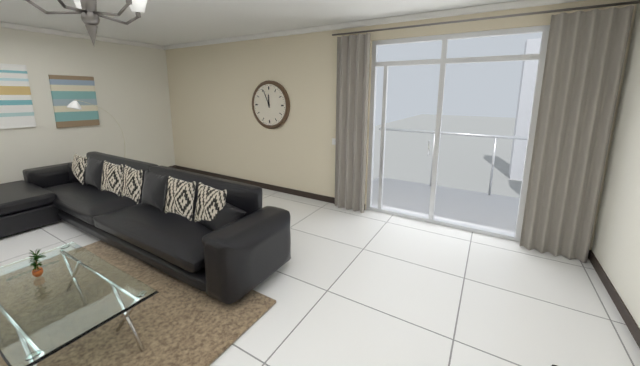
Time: {"hour": 11, "minute": 56}
